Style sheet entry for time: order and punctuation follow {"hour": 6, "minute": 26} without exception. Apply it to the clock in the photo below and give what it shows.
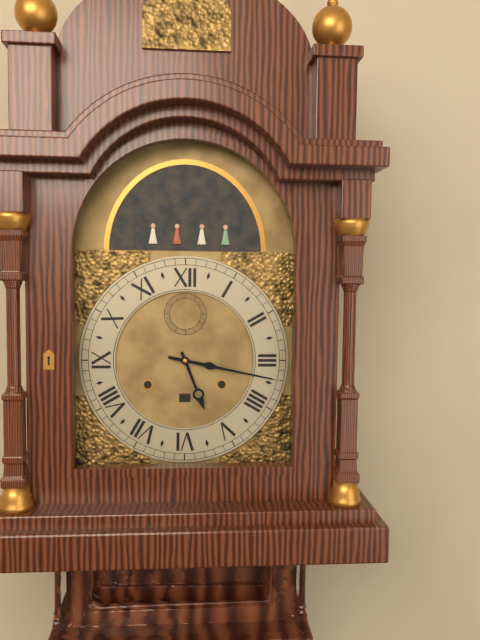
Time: {"hour": 5, "minute": 17}
